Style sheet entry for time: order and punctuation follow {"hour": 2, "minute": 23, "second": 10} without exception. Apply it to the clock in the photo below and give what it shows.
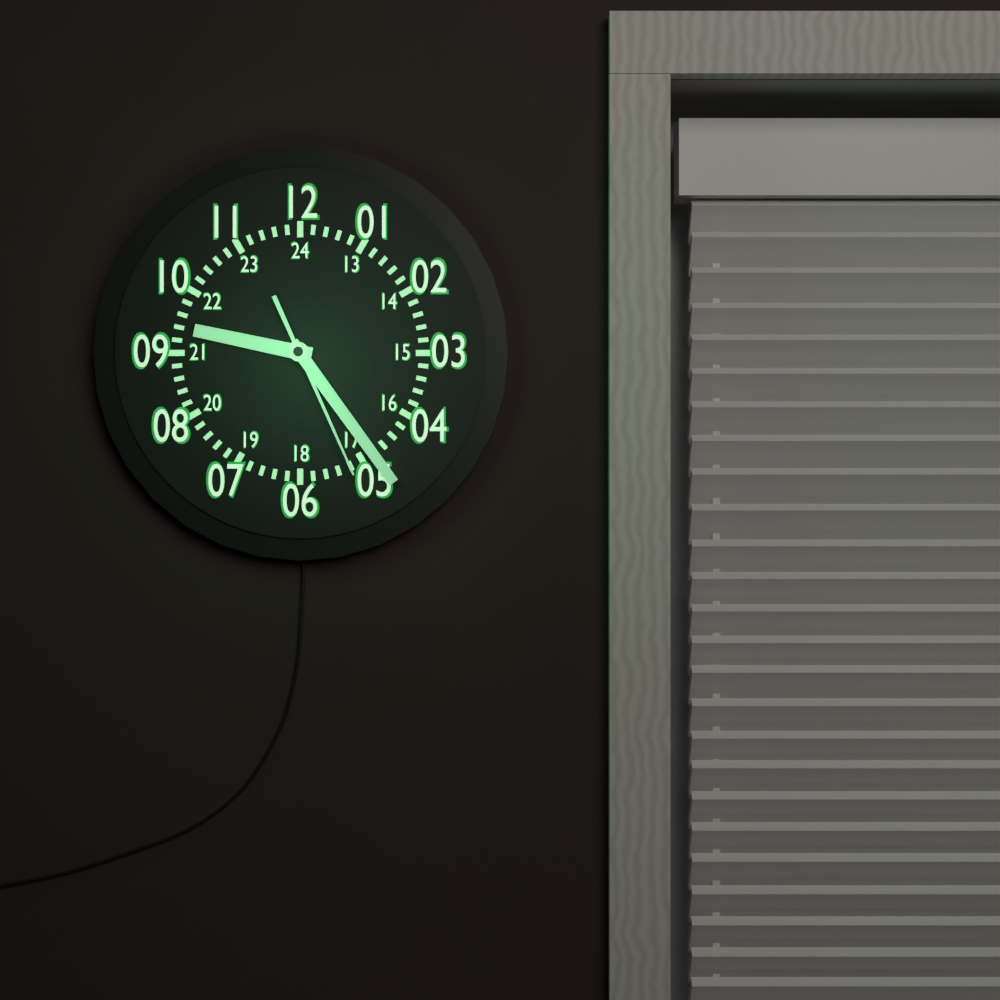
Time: {"hour": 9, "minute": 24, "second": 26}
